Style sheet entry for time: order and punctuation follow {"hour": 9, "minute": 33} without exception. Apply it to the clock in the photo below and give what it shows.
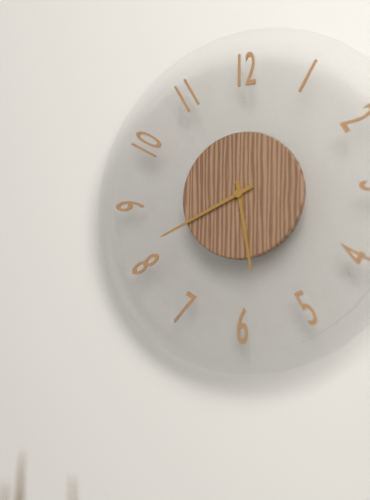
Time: {"hour": 5, "minute": 41}
